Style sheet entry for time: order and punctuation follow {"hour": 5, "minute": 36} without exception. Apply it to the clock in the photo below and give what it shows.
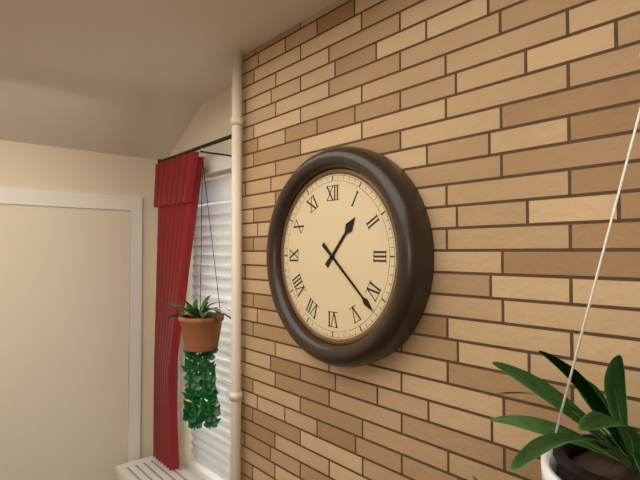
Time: {"hour": 1, "minute": 22}
